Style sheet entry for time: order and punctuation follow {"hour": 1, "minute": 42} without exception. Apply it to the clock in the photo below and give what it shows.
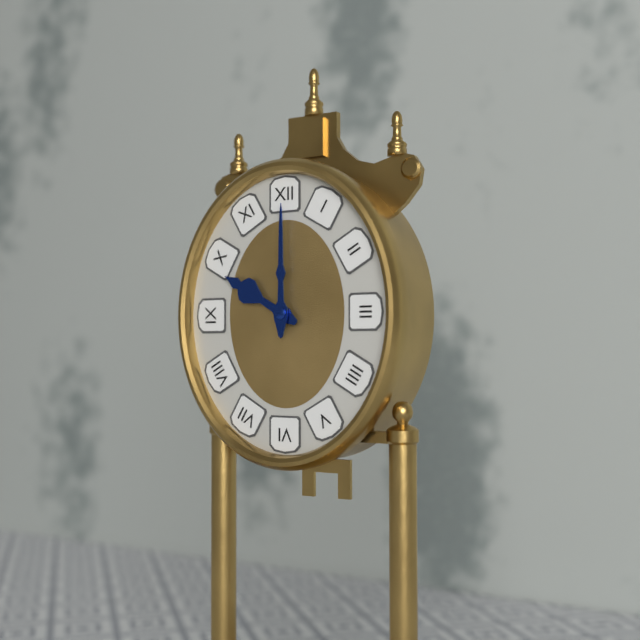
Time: {"hour": 10, "minute": 0}
